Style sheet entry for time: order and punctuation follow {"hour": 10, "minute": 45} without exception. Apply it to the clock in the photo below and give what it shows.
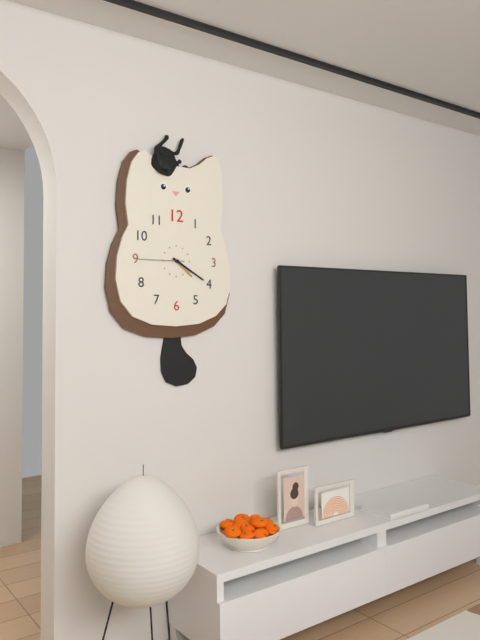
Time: {"hour": 4, "minute": 20}
